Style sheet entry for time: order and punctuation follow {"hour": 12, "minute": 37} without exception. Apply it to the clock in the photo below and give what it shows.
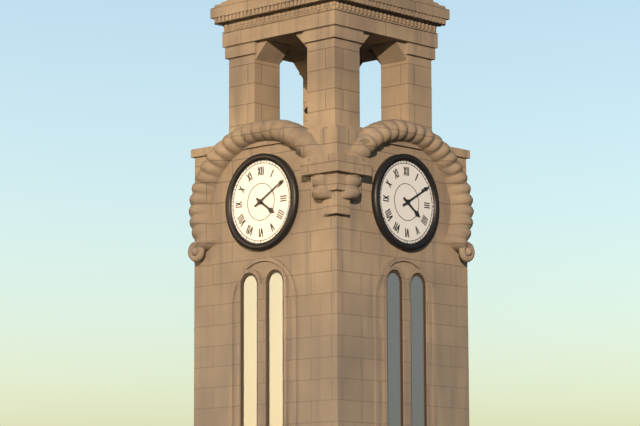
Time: {"hour": 4, "minute": 10}
